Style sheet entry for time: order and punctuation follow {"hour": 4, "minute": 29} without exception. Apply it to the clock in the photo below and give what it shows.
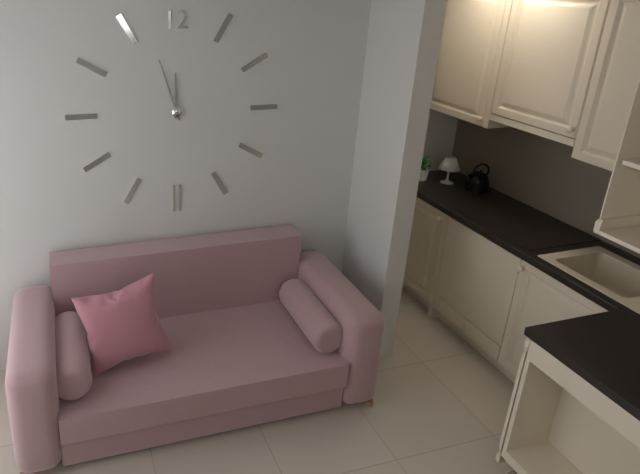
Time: {"hour": 11, "minute": 57}
